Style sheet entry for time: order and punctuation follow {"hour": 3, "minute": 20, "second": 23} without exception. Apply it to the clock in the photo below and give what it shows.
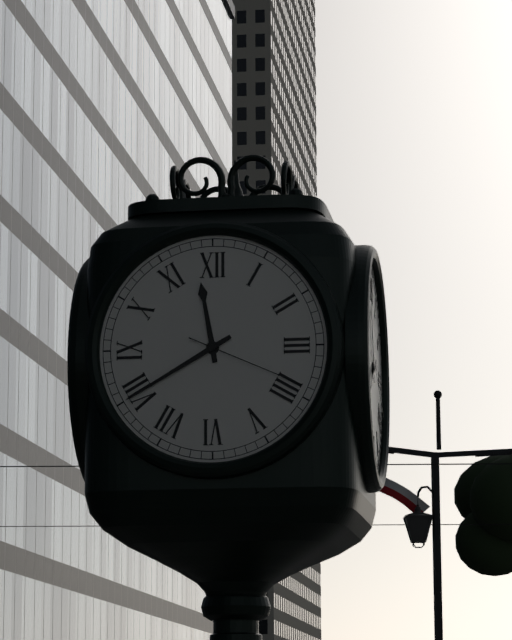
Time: {"hour": 11, "minute": 40, "second": 19}
